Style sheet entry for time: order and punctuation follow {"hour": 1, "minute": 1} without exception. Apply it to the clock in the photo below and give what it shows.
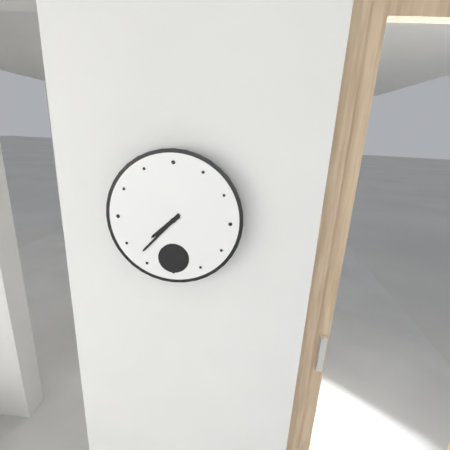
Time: {"hour": 7, "minute": 37}
